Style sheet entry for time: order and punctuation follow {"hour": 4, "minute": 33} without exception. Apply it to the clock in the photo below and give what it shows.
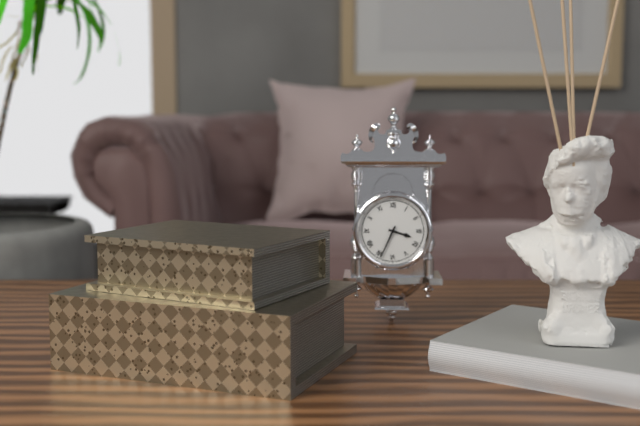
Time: {"hour": 3, "minute": 34}
